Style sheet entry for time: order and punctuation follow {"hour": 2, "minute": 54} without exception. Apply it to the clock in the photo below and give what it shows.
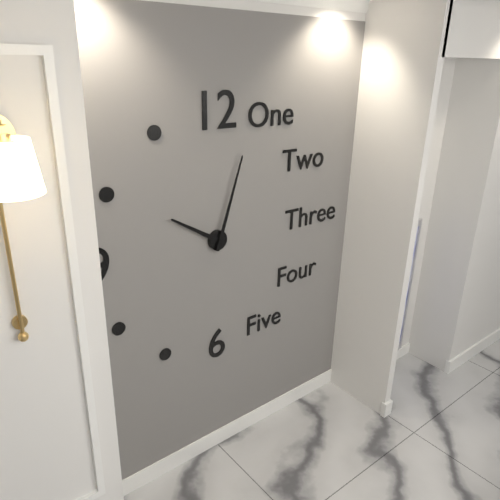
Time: {"hour": 10, "minute": 3}
